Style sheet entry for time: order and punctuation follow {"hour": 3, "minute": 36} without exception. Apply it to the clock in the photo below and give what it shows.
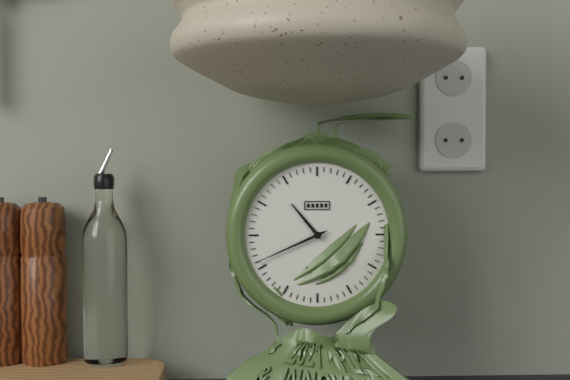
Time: {"hour": 10, "minute": 41}
